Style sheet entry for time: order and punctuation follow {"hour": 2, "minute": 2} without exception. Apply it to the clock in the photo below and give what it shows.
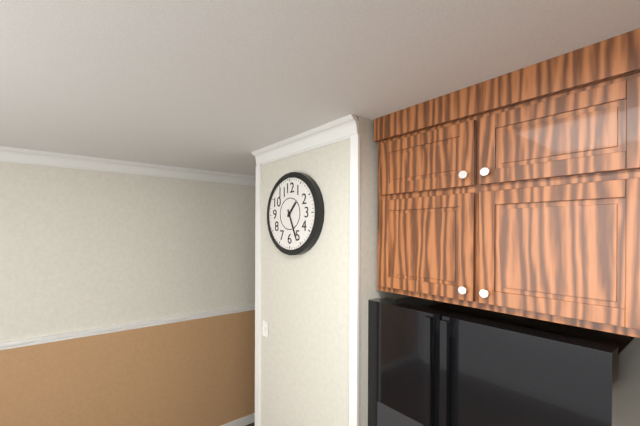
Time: {"hour": 1, "minute": 26}
